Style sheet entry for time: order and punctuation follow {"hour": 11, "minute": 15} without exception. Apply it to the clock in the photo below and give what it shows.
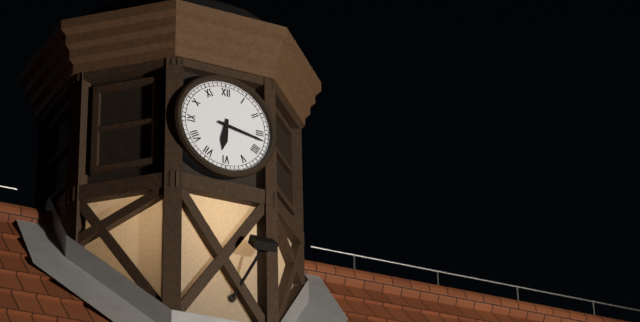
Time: {"hour": 6, "minute": 17}
